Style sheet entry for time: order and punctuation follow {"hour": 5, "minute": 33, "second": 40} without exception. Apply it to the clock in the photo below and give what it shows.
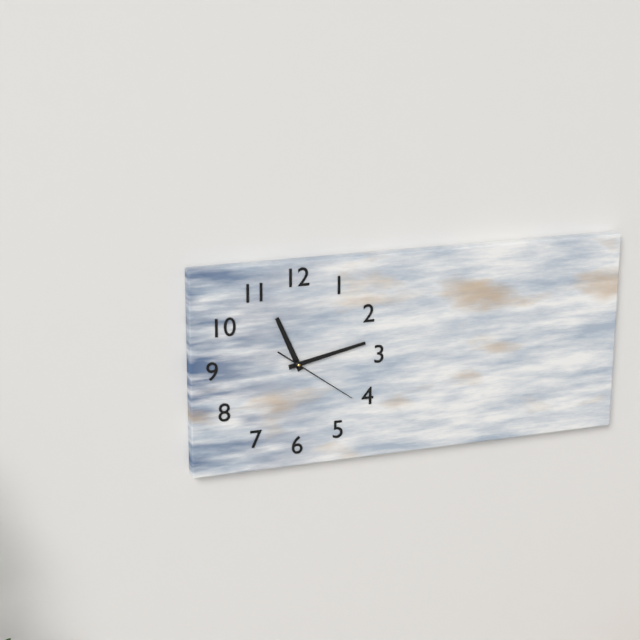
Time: {"hour": 11, "minute": 13, "second": 21}
